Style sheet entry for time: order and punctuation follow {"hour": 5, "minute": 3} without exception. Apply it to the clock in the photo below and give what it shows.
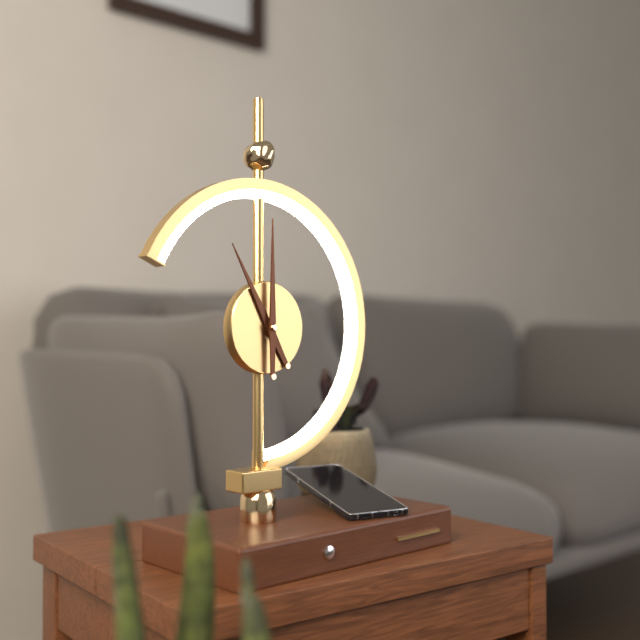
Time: {"hour": 11, "minute": 0}
